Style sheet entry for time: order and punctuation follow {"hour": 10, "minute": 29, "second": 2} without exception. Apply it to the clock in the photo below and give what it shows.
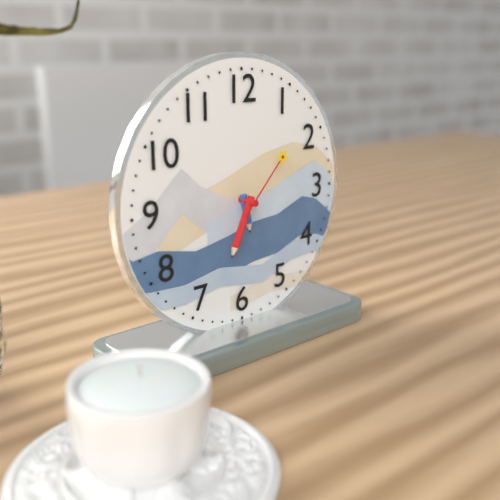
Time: {"hour": 5, "minute": 34, "second": 7}
